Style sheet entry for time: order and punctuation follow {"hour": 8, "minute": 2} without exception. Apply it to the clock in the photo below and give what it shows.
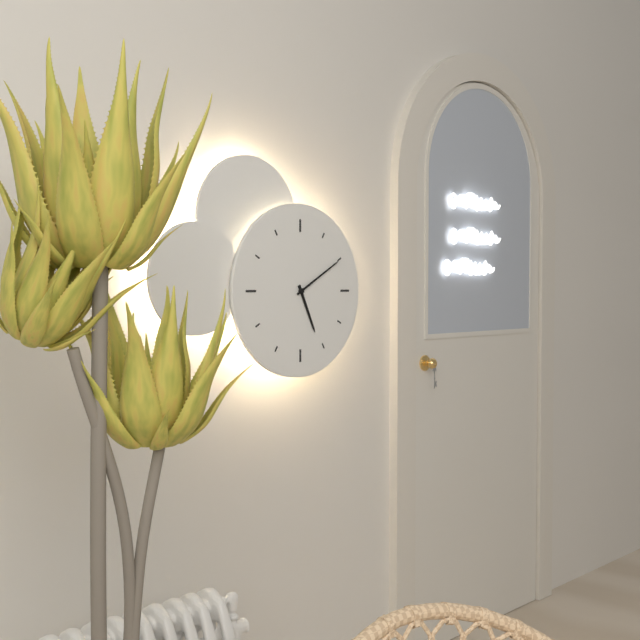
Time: {"hour": 5, "minute": 10}
